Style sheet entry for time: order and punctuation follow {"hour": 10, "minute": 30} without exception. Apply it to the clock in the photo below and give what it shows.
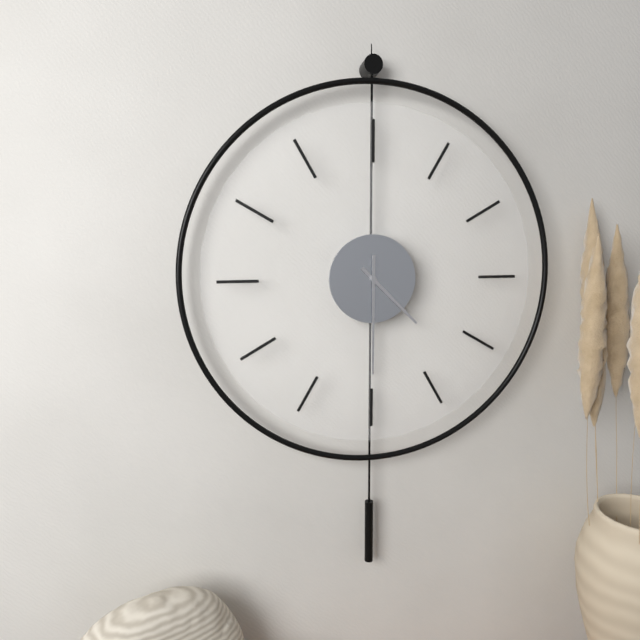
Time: {"hour": 4, "minute": 30}
